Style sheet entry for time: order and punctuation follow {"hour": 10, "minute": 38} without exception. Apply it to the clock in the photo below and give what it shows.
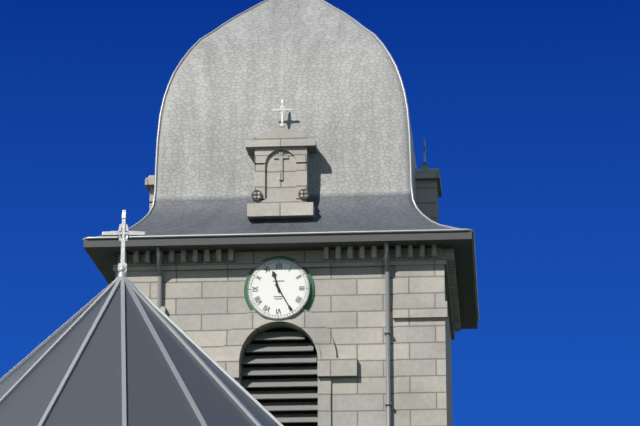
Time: {"hour": 11, "minute": 25}
